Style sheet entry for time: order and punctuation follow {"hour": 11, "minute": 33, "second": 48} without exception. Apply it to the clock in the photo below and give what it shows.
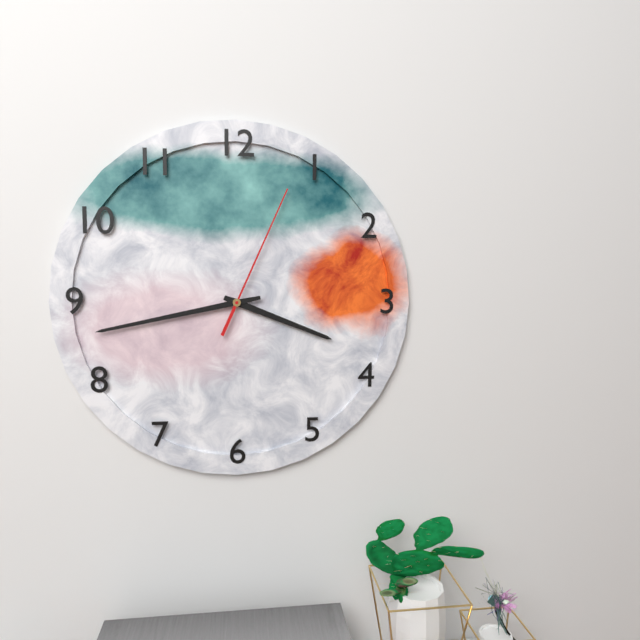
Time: {"hour": 3, "minute": 43, "second": 4}
